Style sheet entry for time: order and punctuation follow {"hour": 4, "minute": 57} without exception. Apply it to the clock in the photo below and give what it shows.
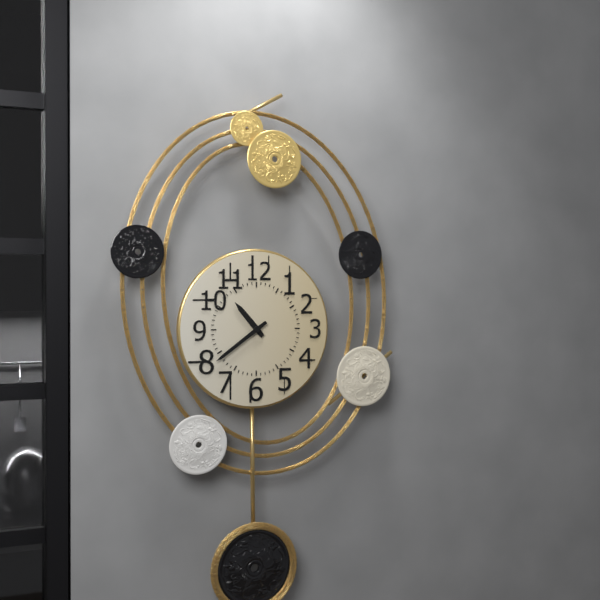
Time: {"hour": 10, "minute": 39}
